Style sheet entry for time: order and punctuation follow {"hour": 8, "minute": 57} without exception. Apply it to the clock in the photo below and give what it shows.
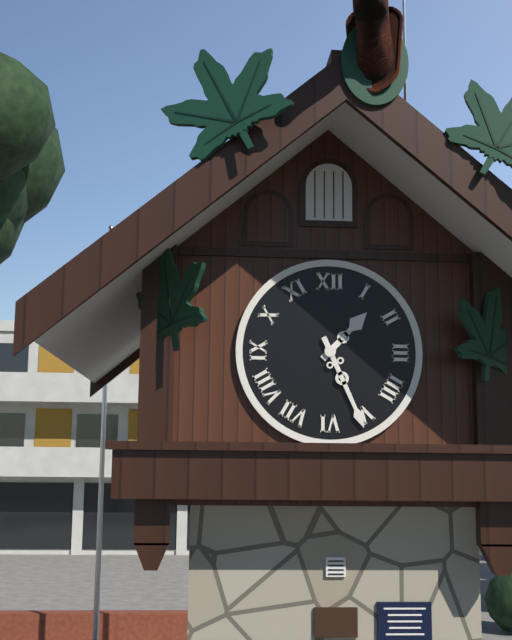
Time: {"hour": 1, "minute": 26}
